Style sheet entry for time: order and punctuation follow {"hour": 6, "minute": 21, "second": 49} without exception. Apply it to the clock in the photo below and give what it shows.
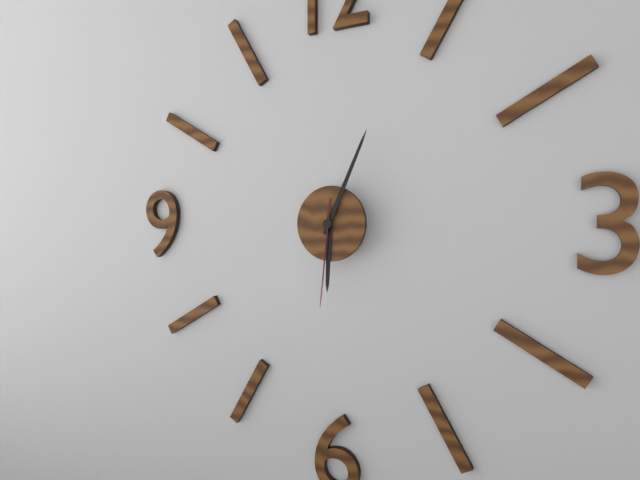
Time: {"hour": 6, "minute": 4, "second": 31}
